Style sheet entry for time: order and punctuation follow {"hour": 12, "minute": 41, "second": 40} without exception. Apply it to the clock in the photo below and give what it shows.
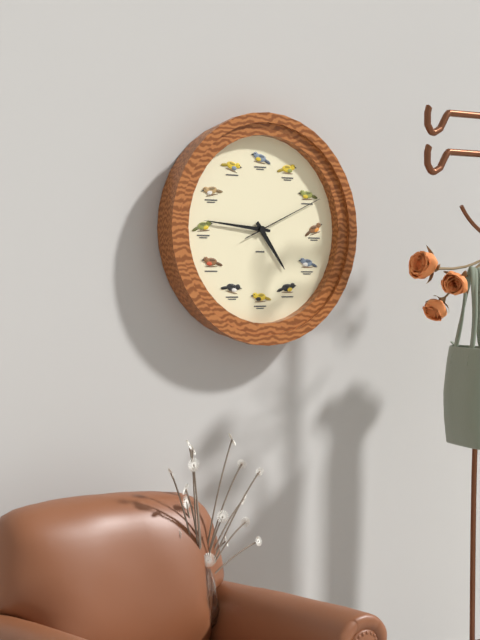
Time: {"hour": 4, "minute": 46, "second": 11}
